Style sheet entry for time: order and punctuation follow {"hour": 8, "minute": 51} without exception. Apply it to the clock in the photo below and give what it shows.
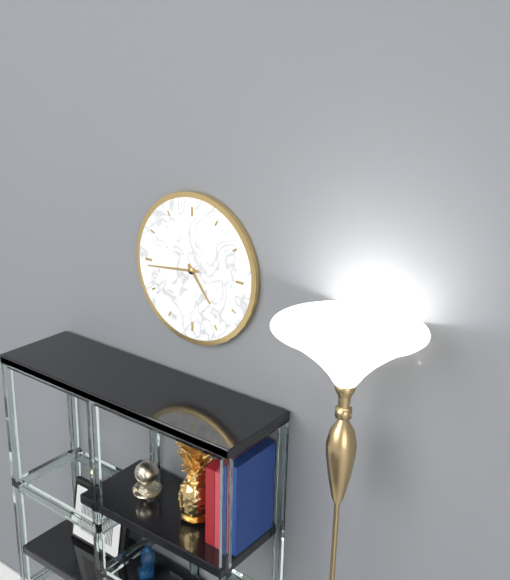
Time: {"hour": 4, "minute": 44}
